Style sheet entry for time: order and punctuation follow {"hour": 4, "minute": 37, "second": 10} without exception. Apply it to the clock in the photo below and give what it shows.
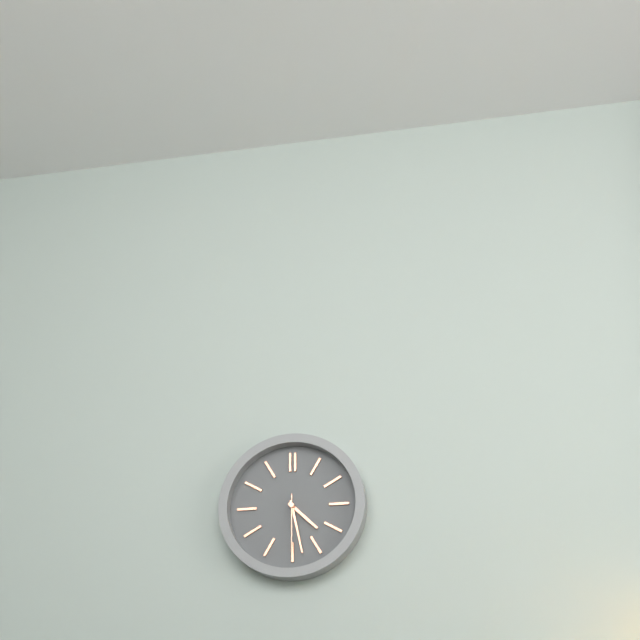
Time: {"hour": 4, "minute": 28, "second": 30}
